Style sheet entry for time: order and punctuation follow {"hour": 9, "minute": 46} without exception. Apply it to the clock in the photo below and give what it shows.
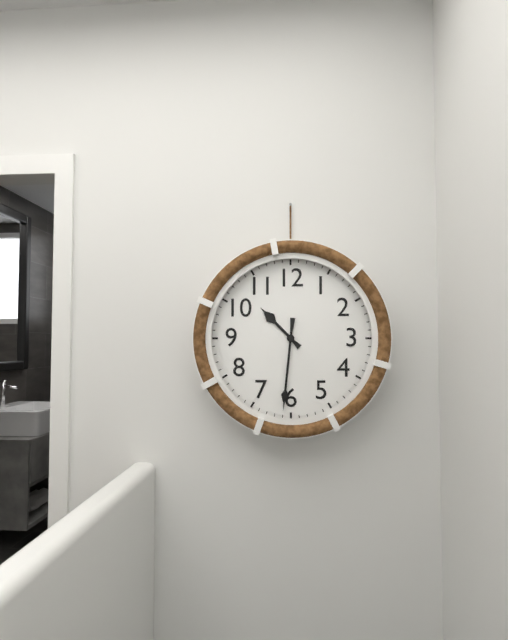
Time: {"hour": 10, "minute": 31}
